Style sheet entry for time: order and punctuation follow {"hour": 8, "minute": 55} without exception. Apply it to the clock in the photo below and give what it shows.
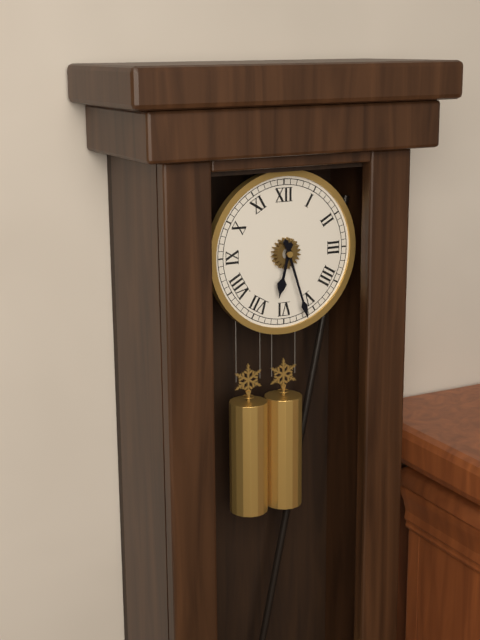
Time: {"hour": 6, "minute": 27}
